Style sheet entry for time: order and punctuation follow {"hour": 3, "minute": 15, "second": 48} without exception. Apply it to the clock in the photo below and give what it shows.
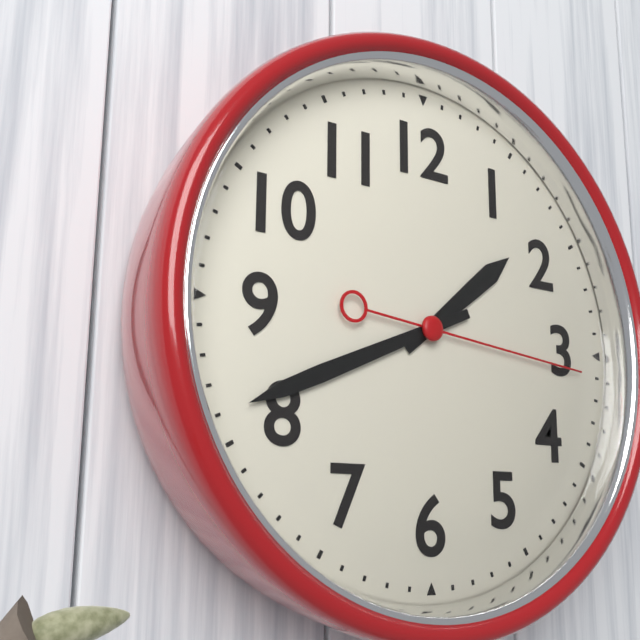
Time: {"hour": 1, "minute": 41, "second": 16}
